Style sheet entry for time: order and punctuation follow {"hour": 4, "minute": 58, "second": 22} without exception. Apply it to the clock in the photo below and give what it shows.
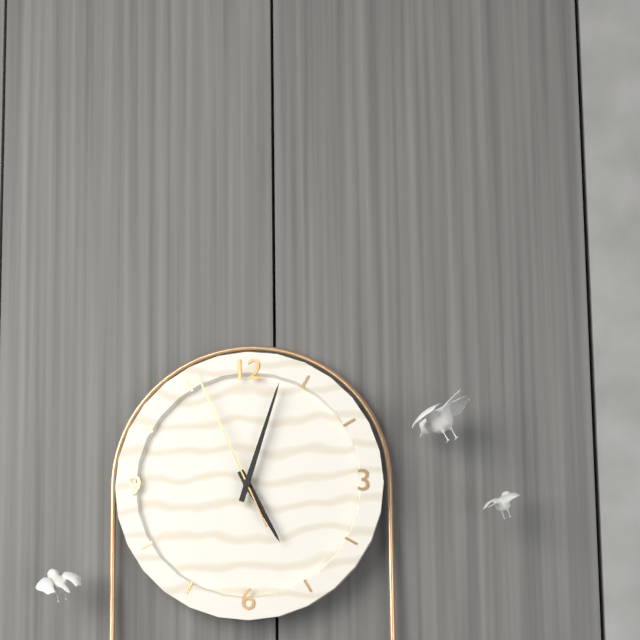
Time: {"hour": 5, "minute": 3, "second": 56}
